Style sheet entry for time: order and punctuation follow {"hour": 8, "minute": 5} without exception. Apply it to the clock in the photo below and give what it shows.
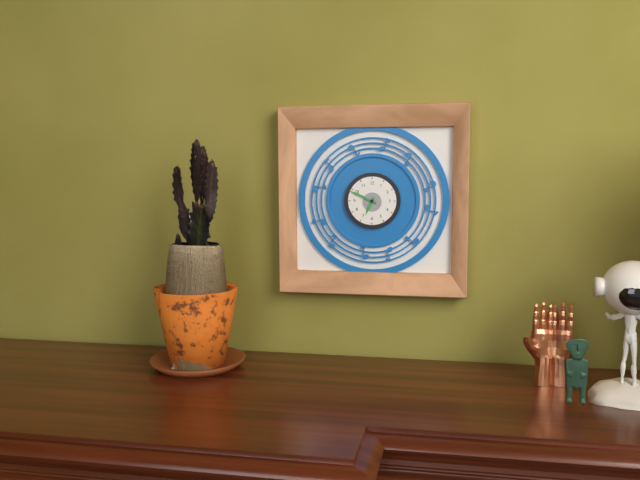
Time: {"hour": 6, "minute": 49}
